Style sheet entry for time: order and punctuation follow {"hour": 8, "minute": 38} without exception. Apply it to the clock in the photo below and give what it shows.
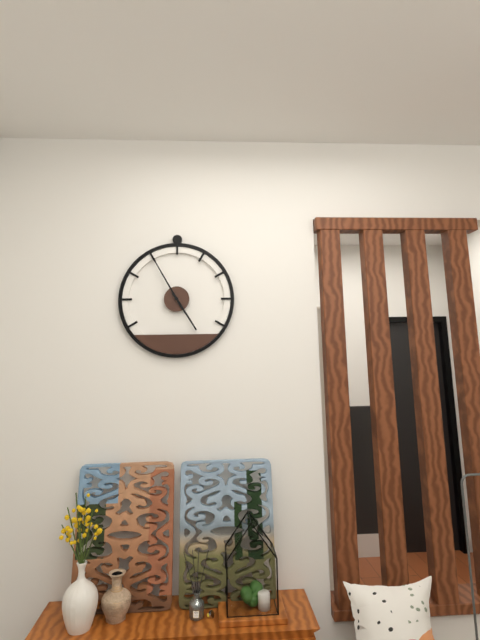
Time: {"hour": 4, "minute": 55}
